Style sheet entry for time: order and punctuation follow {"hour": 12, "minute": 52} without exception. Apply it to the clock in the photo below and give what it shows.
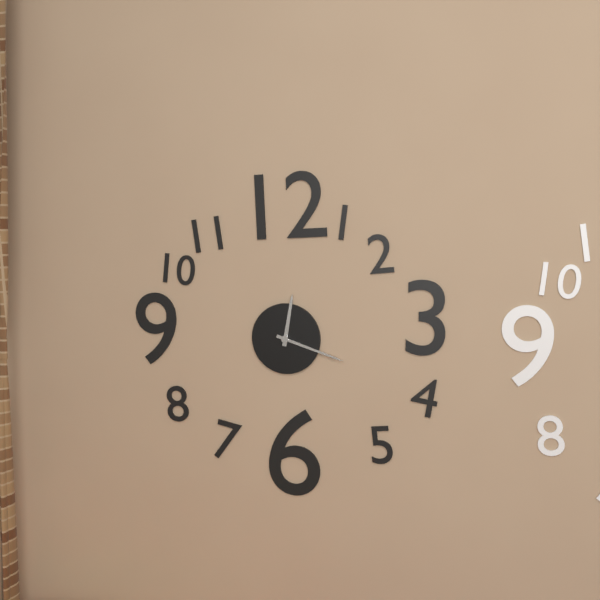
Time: {"hour": 12, "minute": 18}
